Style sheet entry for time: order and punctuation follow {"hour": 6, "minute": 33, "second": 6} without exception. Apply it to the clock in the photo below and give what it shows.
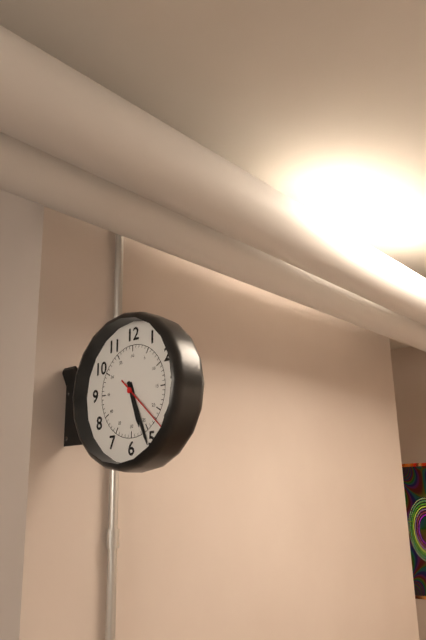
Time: {"hour": 5, "minute": 26, "second": 22}
